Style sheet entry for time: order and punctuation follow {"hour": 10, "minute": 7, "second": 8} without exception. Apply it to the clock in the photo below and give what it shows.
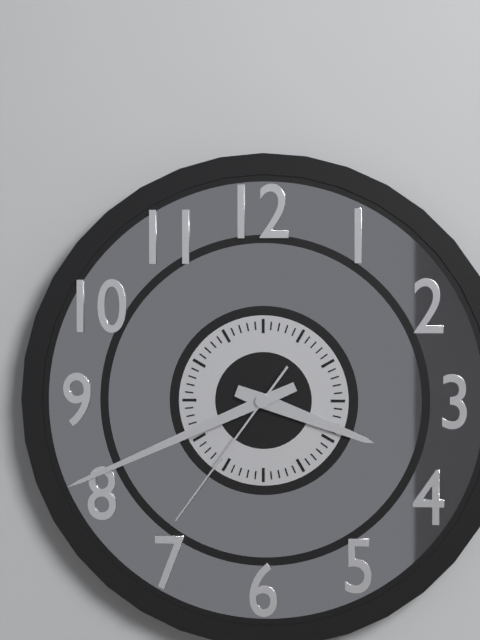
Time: {"hour": 3, "minute": 41, "second": 36}
